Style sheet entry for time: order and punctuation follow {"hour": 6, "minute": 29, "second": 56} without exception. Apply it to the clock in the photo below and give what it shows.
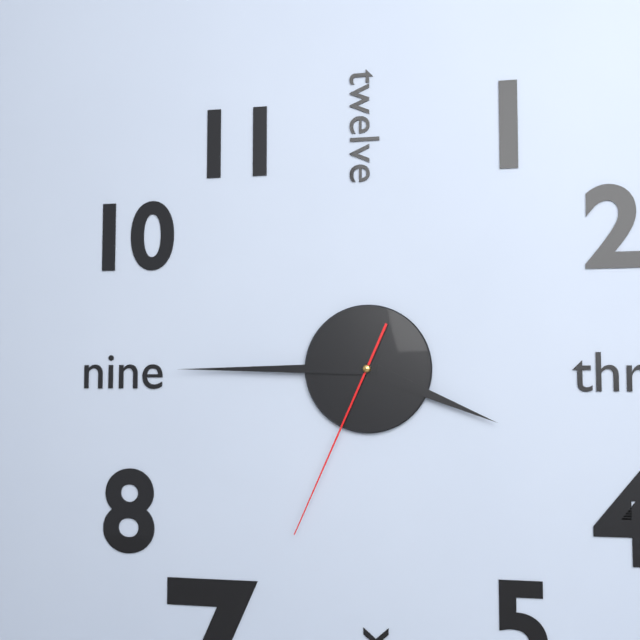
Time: {"hour": 3, "minute": 45, "second": 34}
